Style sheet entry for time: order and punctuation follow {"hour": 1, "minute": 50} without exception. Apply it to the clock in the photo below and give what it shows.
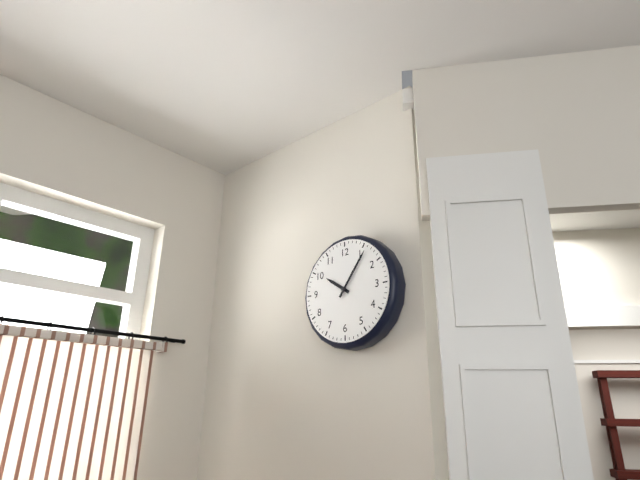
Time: {"hour": 10, "minute": 6}
